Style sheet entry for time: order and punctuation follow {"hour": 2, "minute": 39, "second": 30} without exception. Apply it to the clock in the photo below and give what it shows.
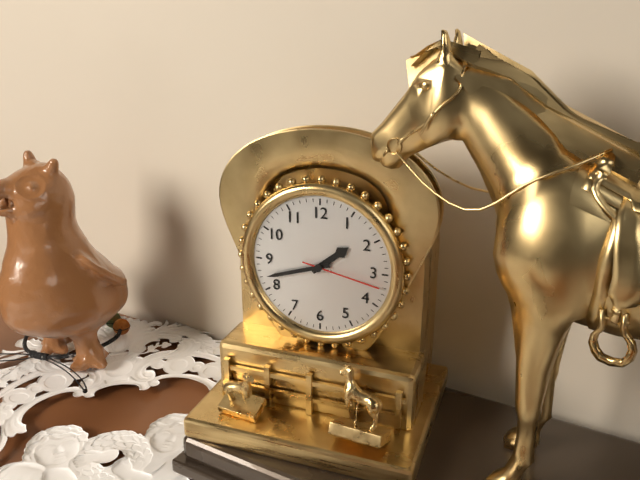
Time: {"hour": 1, "minute": 42, "second": 17}
